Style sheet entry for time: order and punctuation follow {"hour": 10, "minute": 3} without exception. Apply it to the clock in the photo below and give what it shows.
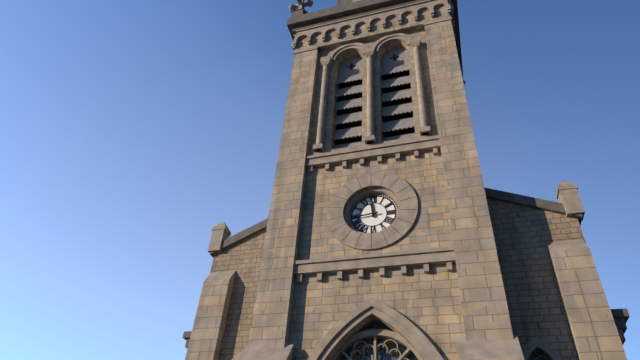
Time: {"hour": 11, "minute": 44}
